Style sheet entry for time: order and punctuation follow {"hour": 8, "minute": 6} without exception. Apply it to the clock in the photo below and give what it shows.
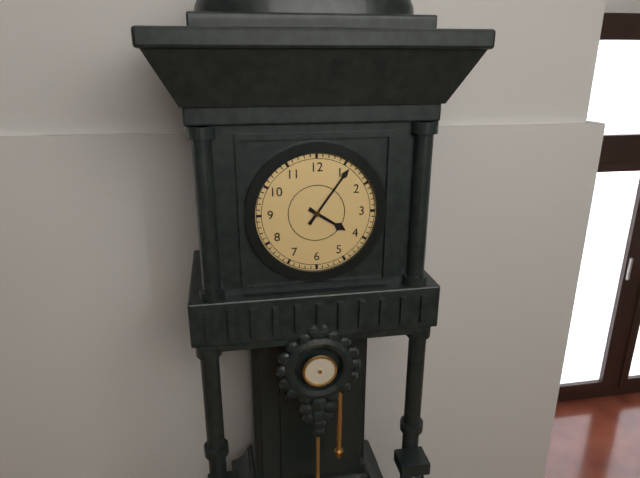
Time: {"hour": 4, "minute": 6}
